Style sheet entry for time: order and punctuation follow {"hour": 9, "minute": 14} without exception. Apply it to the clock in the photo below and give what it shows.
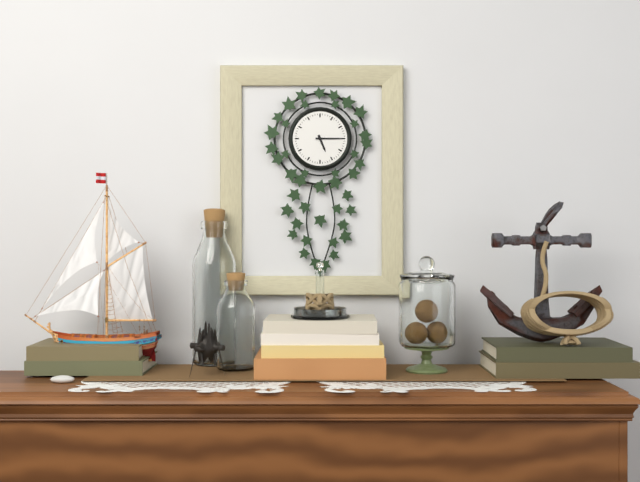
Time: {"hour": 5, "minute": 15}
